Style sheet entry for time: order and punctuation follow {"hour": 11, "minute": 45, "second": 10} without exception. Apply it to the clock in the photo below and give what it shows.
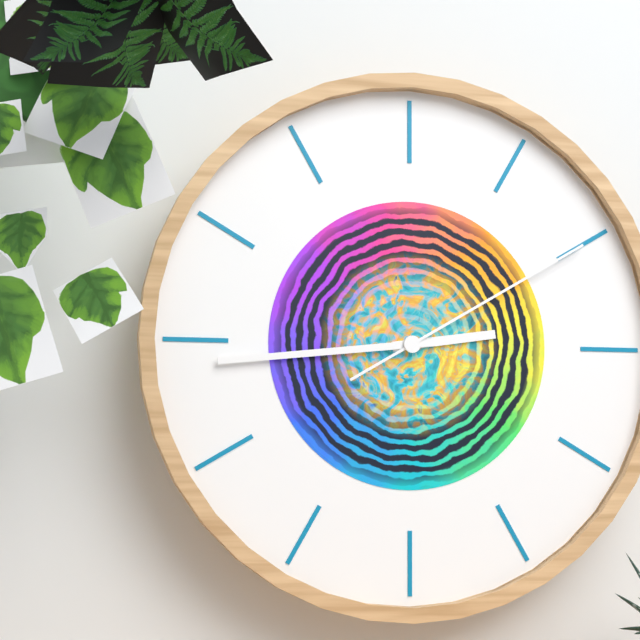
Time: {"hour": 2, "minute": 44, "second": 10}
